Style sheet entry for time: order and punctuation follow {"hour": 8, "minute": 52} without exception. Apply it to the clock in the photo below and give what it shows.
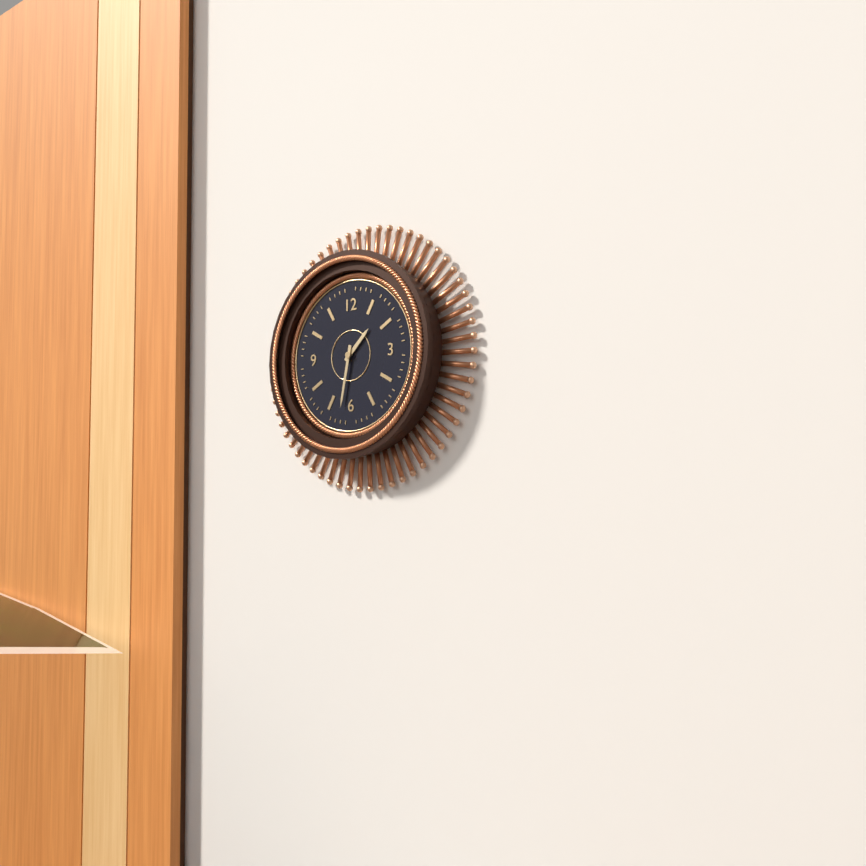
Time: {"hour": 1, "minute": 32}
